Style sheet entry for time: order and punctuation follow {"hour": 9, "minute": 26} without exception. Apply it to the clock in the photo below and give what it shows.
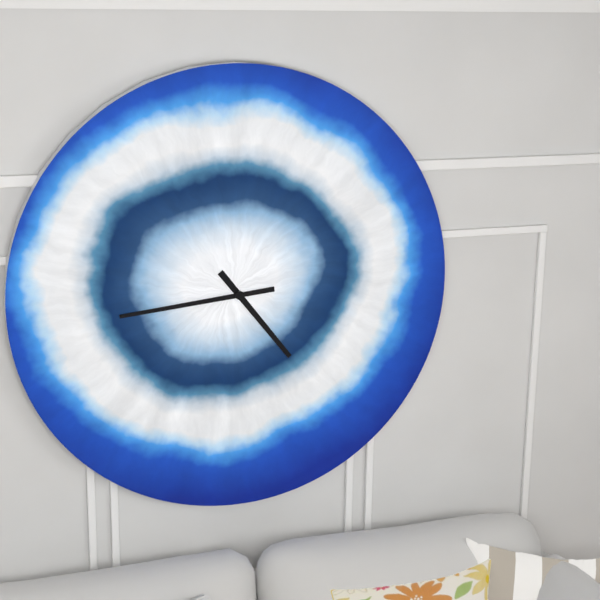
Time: {"hour": 4, "minute": 44}
